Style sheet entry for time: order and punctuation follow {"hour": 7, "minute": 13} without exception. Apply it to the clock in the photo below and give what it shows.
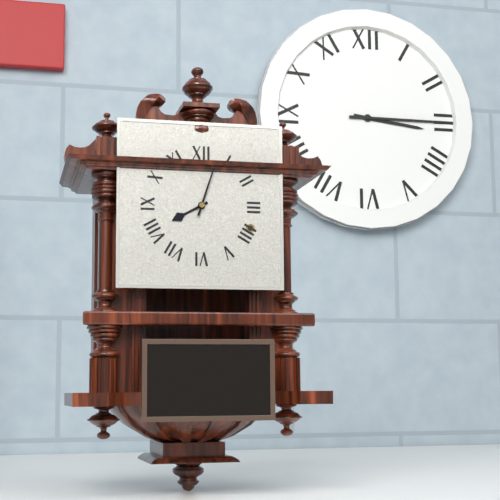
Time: {"hour": 8, "minute": 3}
